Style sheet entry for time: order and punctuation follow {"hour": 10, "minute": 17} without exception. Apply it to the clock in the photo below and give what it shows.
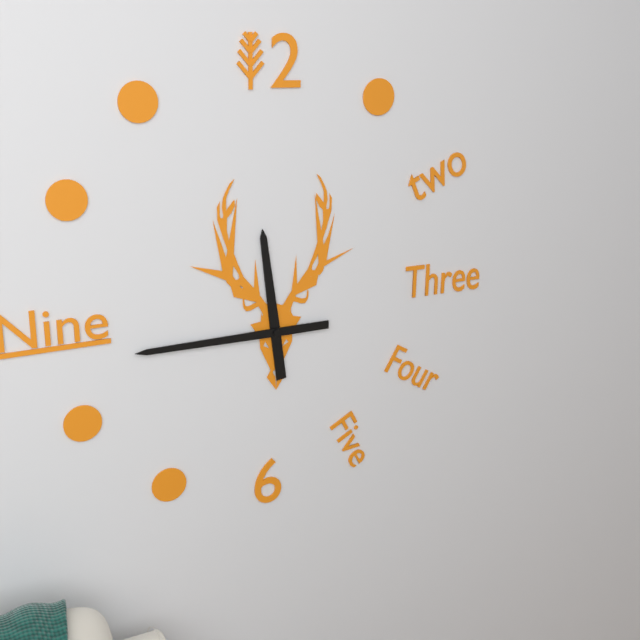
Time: {"hour": 11, "minute": 45}
